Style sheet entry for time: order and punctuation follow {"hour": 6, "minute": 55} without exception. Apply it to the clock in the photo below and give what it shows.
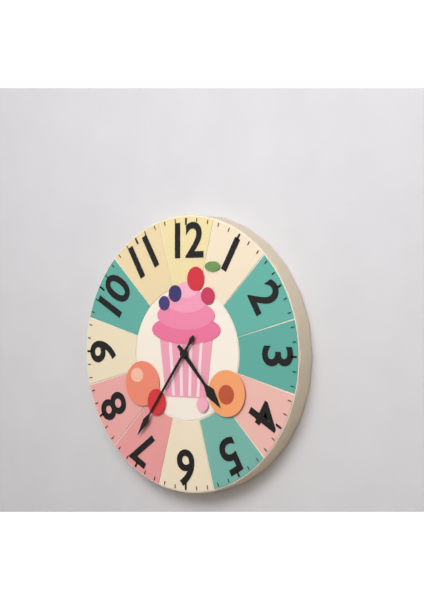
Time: {"hour": 4, "minute": 36}
